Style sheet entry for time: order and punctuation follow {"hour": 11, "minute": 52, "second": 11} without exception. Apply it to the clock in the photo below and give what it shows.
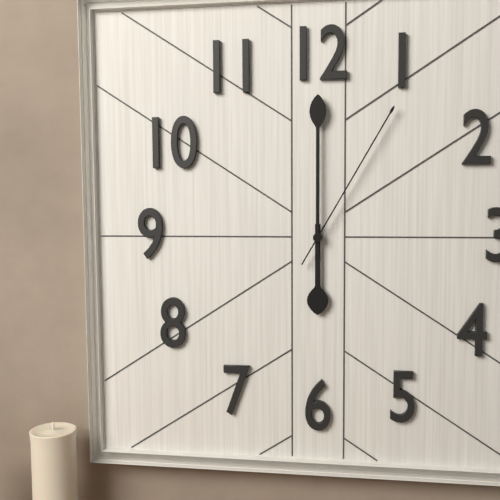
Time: {"hour": 6, "minute": 0, "second": 5}
